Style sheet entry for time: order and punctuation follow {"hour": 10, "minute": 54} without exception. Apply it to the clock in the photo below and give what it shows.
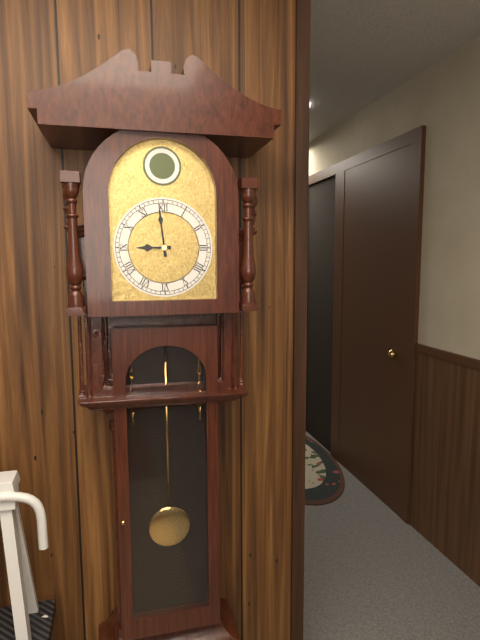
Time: {"hour": 8, "minute": 59}
